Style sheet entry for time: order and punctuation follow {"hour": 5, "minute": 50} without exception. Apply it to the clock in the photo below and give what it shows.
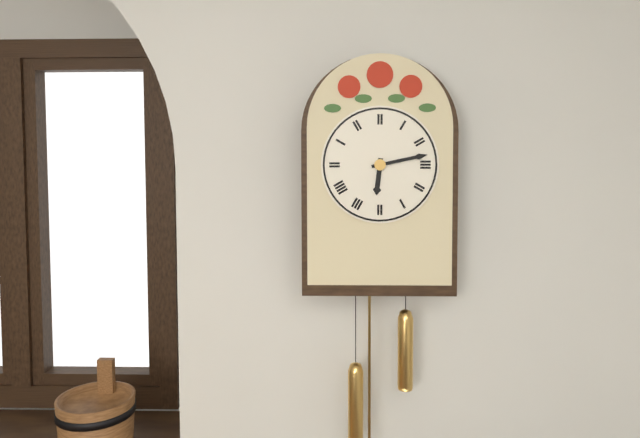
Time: {"hour": 6, "minute": 13}
